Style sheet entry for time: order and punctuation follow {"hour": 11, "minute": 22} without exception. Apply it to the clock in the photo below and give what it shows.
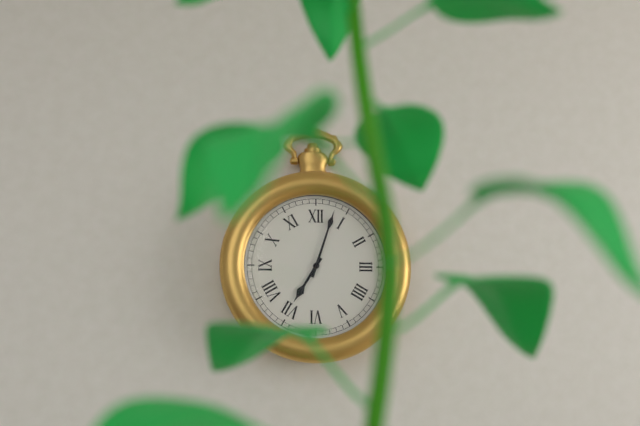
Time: {"hour": 7, "minute": 3}
